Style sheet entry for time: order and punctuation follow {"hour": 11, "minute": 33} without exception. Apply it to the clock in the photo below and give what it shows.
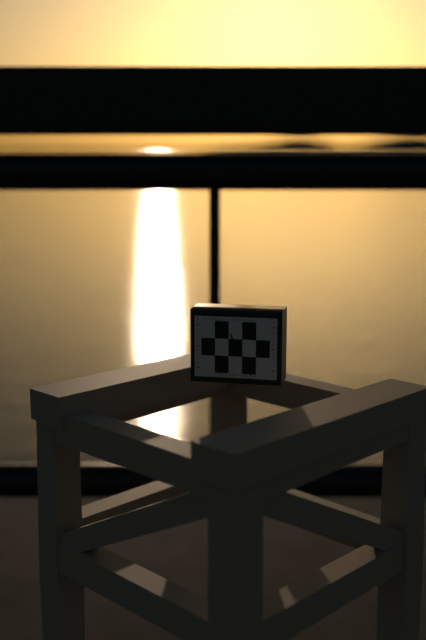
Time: {"hour": 11, "minute": 23}
